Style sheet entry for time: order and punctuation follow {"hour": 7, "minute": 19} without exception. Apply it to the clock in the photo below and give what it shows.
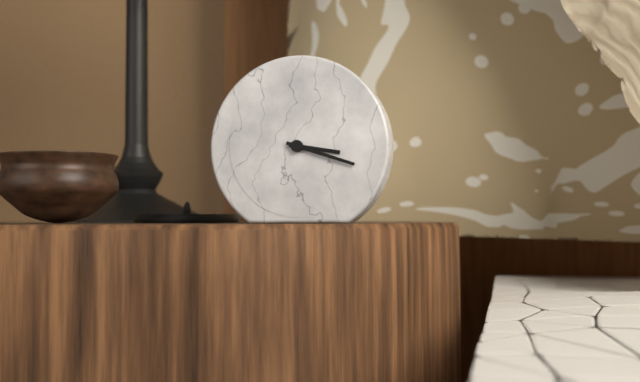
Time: {"hour": 3, "minute": 18}
